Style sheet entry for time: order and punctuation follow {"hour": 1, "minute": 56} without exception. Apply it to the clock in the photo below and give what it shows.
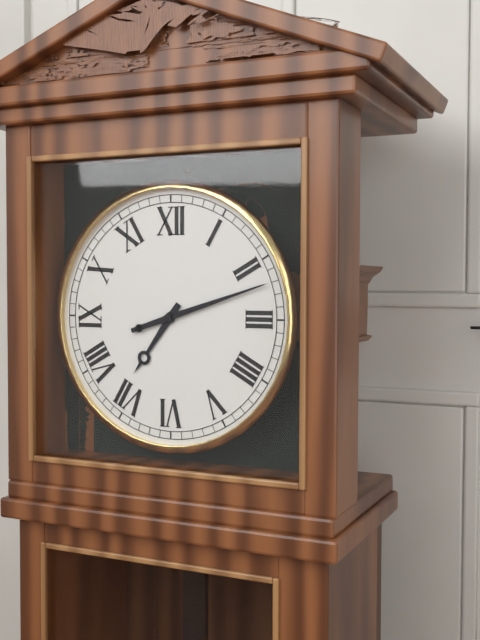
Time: {"hour": 7, "minute": 12}
